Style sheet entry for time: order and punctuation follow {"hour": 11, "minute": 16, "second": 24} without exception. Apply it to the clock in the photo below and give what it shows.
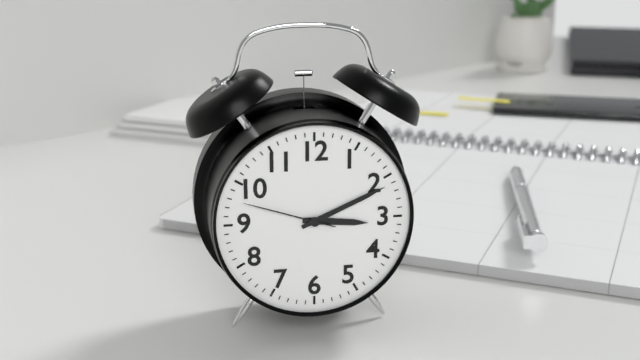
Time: {"hour": 3, "minute": 11, "second": 48}
